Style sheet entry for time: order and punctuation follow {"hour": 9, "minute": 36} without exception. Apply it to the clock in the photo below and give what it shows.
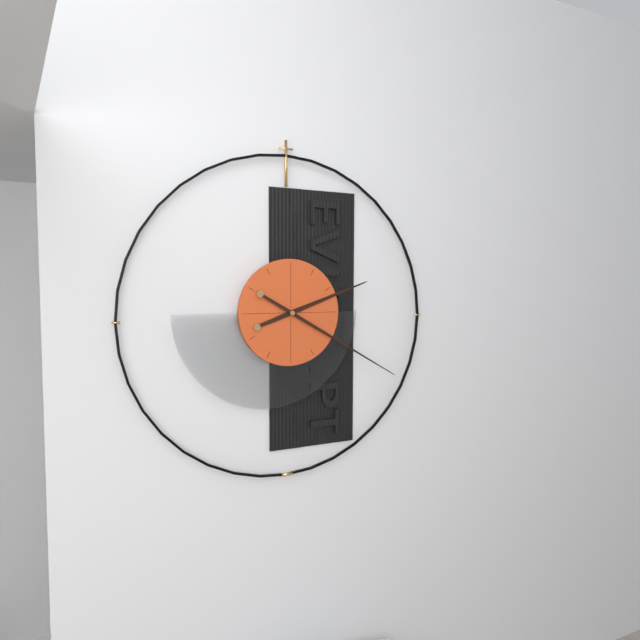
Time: {"hour": 2, "minute": 20}
